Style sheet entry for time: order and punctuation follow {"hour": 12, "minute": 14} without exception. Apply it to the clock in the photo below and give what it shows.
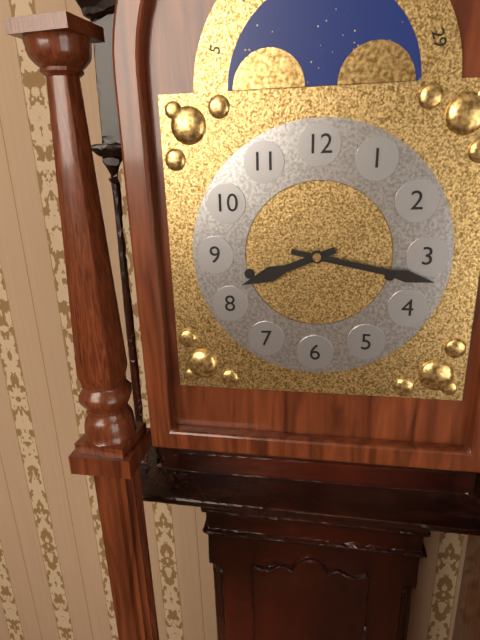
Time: {"hour": 8, "minute": 17}
